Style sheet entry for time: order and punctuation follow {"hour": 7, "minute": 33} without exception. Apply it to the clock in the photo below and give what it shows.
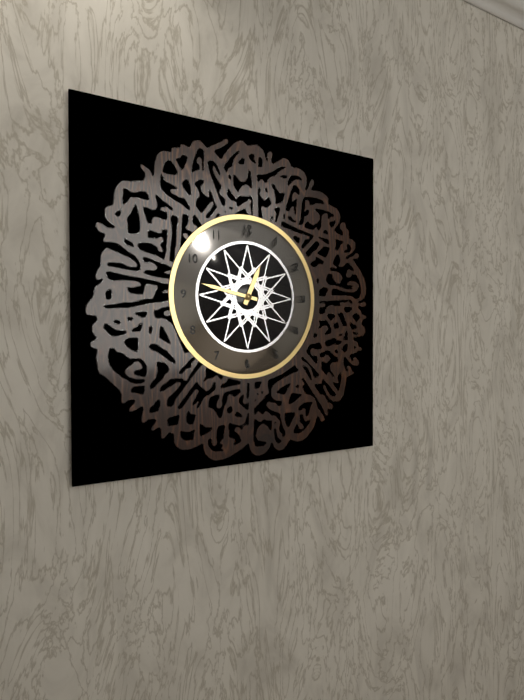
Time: {"hour": 12, "minute": 47}
